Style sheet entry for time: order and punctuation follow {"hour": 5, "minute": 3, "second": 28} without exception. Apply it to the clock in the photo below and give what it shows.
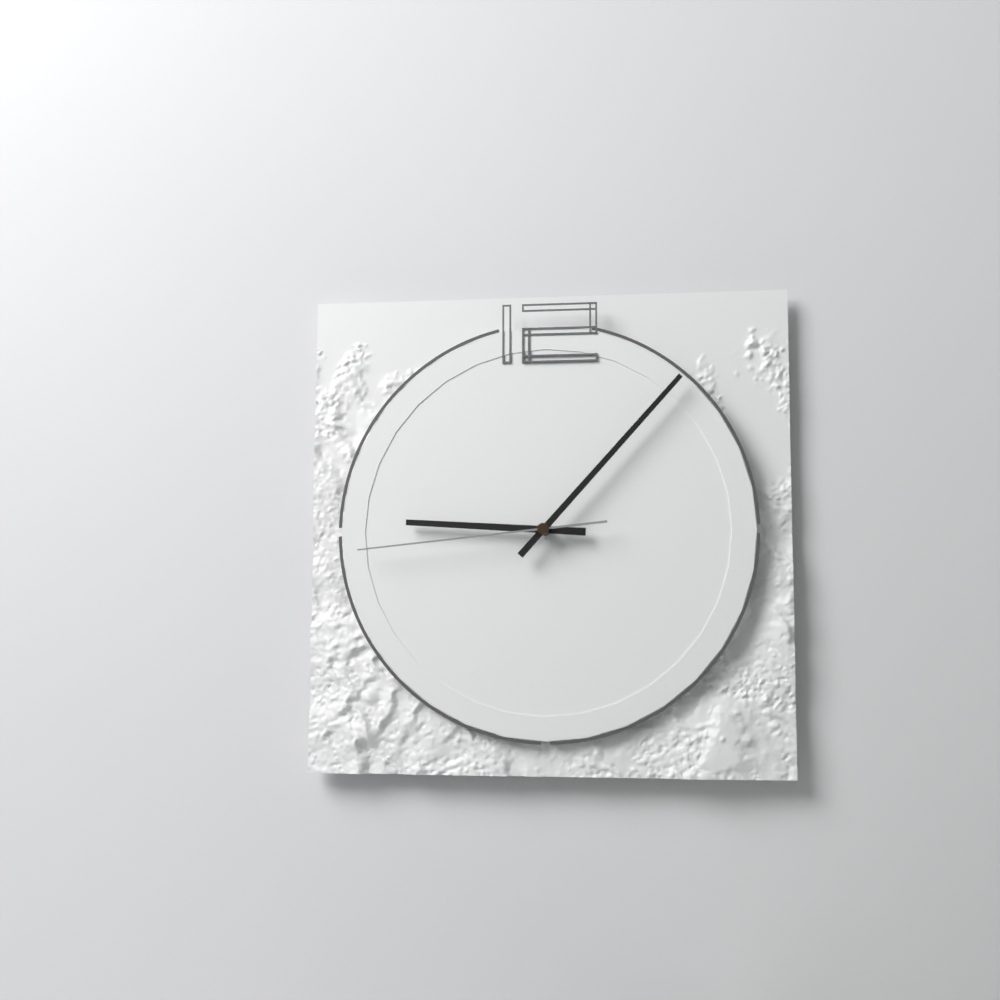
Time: {"hour": 9, "minute": 7, "second": 44}
